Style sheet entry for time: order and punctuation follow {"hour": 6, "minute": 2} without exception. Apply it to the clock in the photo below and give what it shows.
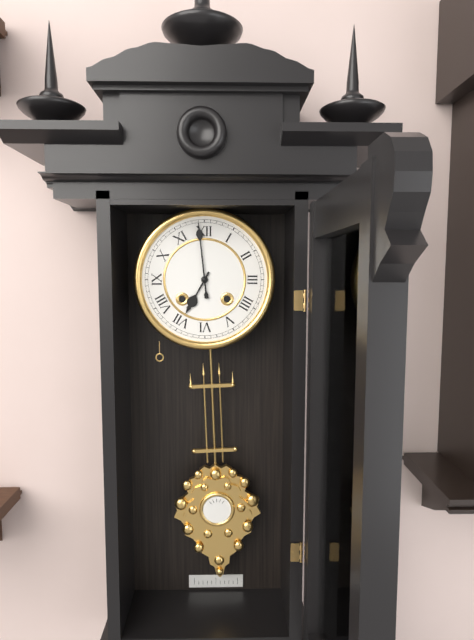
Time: {"hour": 6, "minute": 59}
